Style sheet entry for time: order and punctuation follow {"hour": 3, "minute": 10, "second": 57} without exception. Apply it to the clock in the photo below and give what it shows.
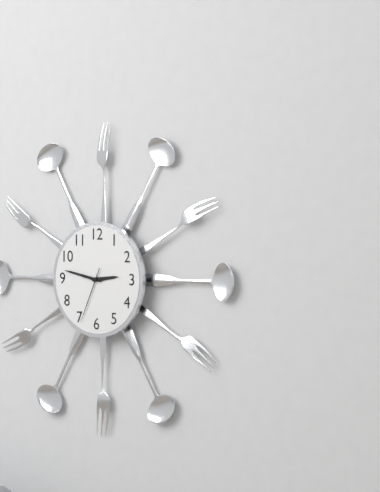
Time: {"hour": 2, "minute": 47, "second": 34}
